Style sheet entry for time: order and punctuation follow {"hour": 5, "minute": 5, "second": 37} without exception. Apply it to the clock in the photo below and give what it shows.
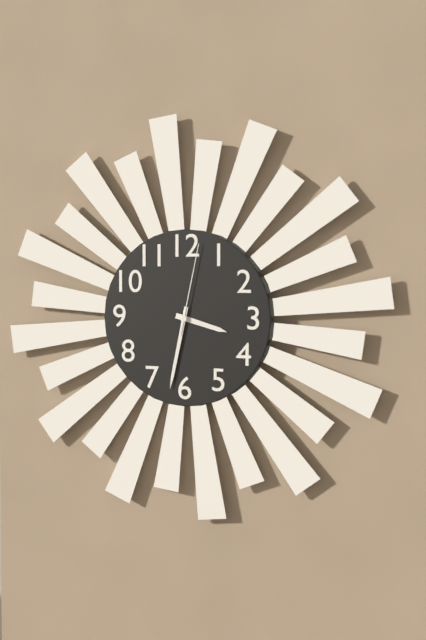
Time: {"hour": 3, "minute": 32, "second": 2}
